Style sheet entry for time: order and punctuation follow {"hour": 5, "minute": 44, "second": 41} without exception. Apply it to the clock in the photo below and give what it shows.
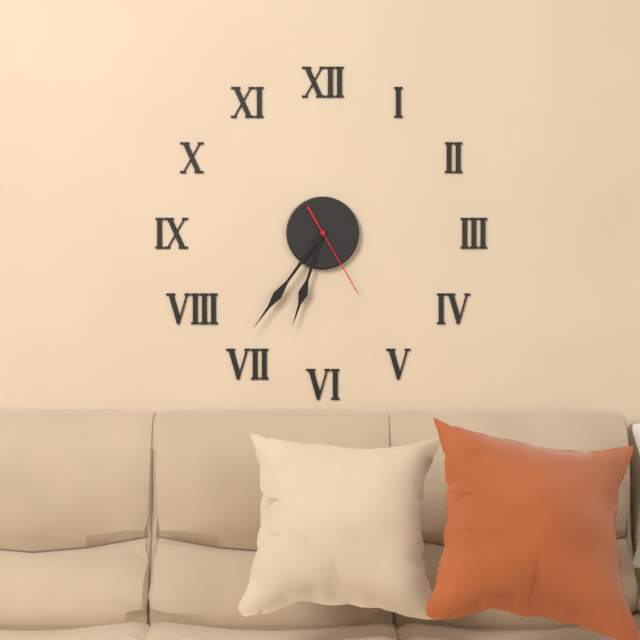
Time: {"hour": 6, "minute": 36, "second": 25}
